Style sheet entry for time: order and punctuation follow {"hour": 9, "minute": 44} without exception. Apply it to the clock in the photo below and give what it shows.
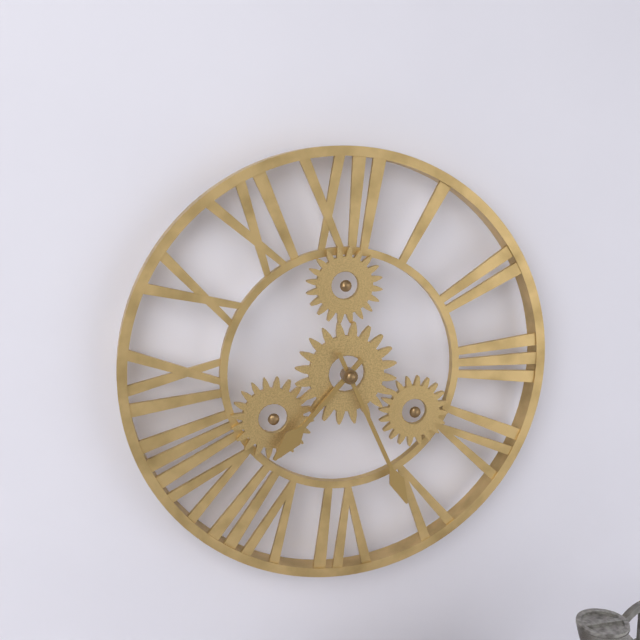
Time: {"hour": 7, "minute": 26}
